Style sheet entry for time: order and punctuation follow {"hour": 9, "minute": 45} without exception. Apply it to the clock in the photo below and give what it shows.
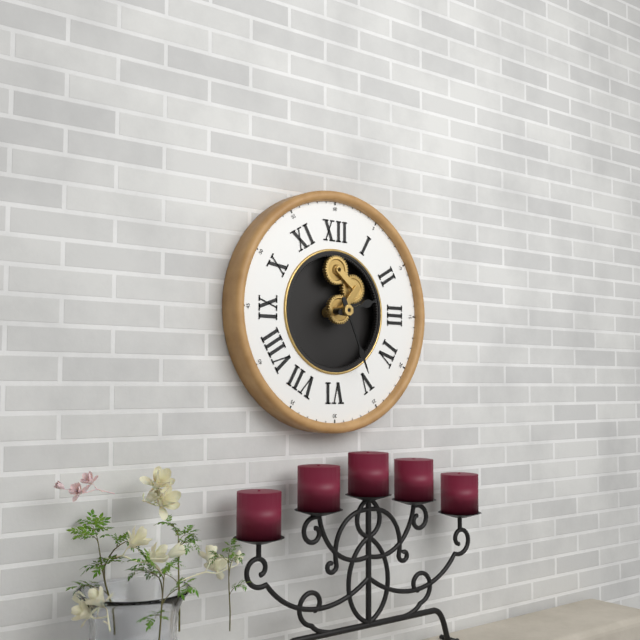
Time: {"hour": 2, "minute": 26}
